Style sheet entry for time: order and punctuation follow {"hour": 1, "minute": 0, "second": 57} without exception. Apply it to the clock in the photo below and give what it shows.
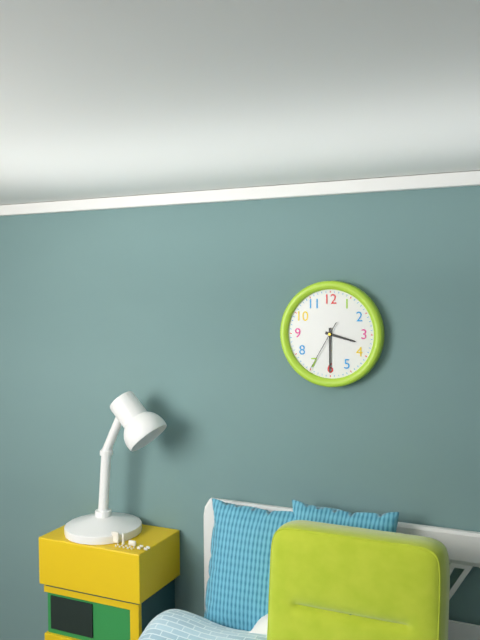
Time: {"hour": 3, "minute": 30, "second": 35}
